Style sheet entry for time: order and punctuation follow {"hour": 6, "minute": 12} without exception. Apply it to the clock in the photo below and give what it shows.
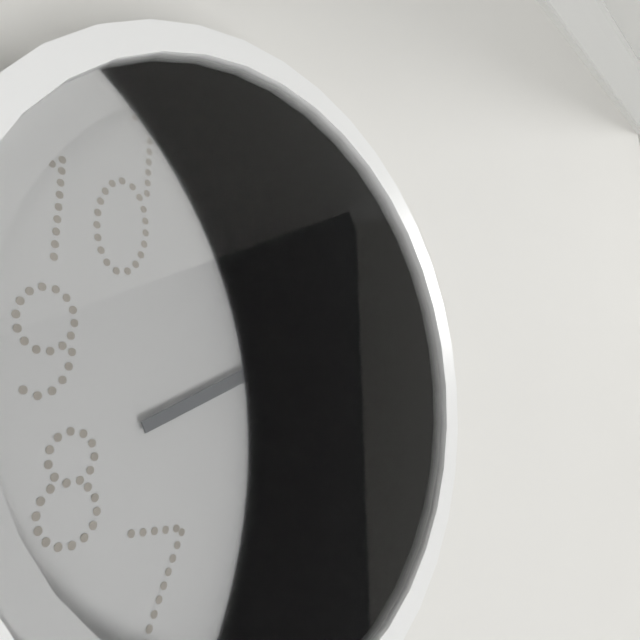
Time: {"hour": 8, "minute": 9}
